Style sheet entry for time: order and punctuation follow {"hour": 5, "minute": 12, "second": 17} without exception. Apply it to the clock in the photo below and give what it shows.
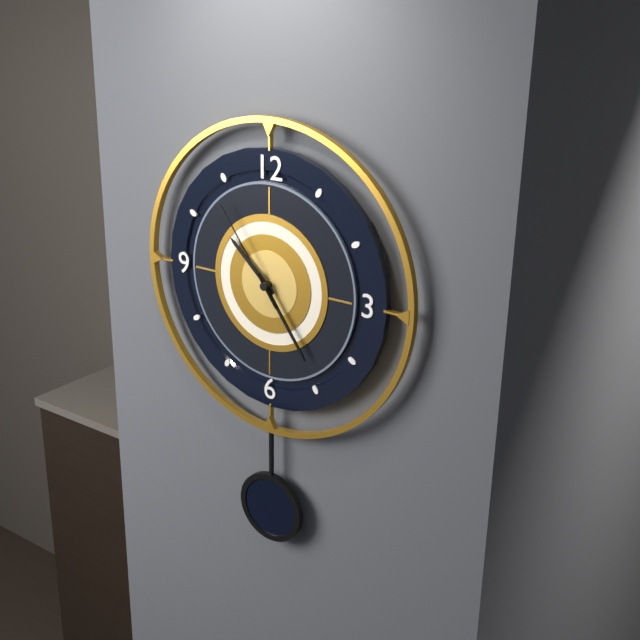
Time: {"hour": 10, "minute": 24, "second": 54}
